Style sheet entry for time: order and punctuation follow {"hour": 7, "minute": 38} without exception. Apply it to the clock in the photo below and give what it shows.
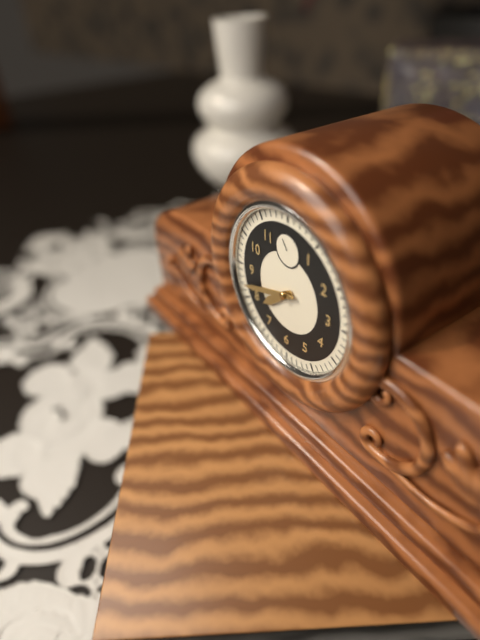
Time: {"hour": 7, "minute": 42}
